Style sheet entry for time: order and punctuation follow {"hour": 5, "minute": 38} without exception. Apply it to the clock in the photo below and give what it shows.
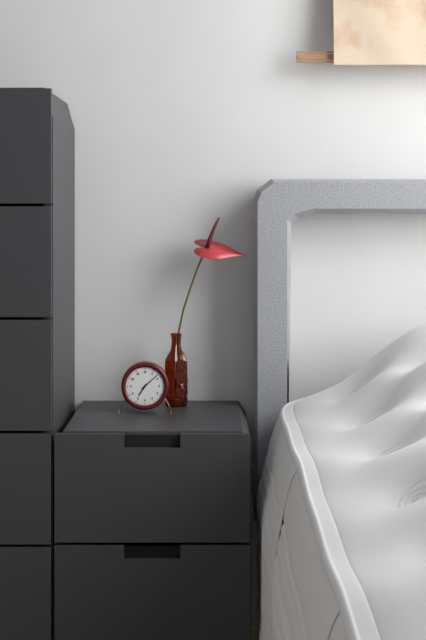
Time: {"hour": 7, "minute": 8}
